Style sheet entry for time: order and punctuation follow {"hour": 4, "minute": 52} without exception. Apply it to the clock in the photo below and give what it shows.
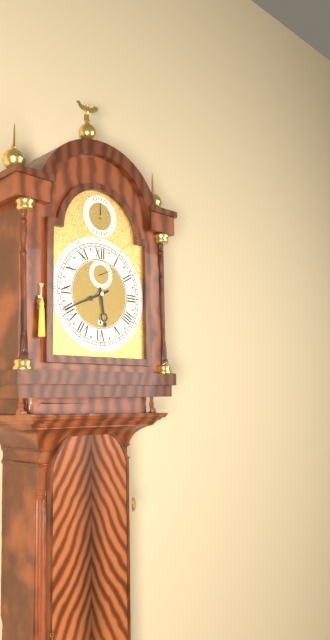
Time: {"hour": 5, "minute": 41}
